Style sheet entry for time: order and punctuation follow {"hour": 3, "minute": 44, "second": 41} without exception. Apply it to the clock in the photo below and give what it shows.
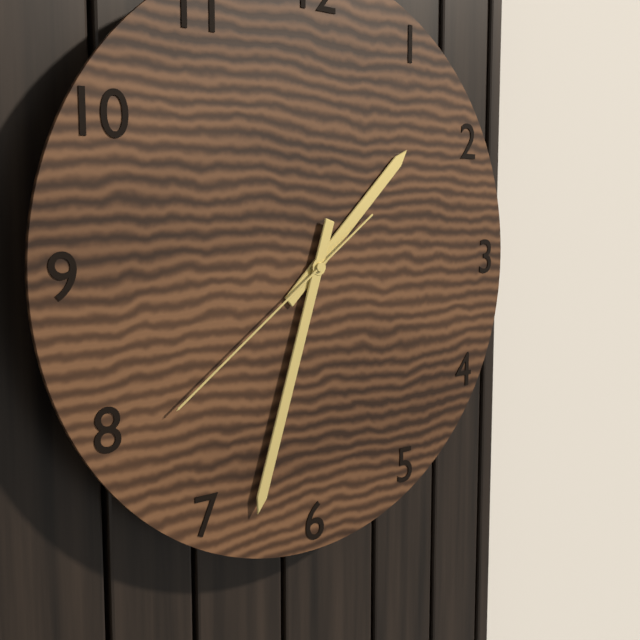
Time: {"hour": 1, "minute": 33, "second": 39}
